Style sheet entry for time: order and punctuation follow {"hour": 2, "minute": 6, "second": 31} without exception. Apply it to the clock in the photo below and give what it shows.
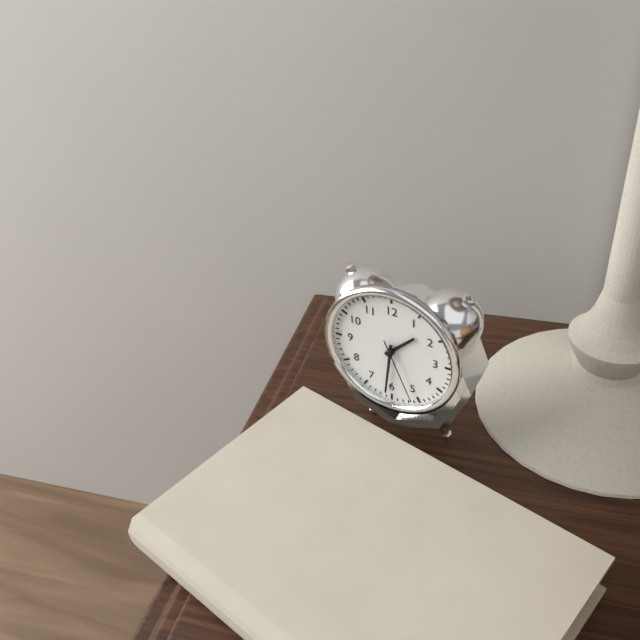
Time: {"hour": 1, "minute": 31, "second": 26}
